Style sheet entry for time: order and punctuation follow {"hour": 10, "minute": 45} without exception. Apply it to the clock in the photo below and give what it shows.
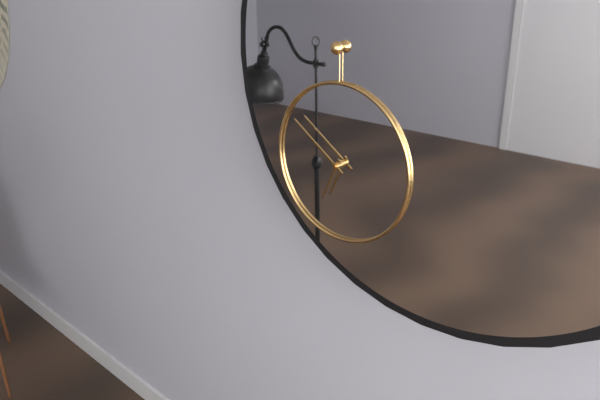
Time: {"hour": 6, "minute": 51}
